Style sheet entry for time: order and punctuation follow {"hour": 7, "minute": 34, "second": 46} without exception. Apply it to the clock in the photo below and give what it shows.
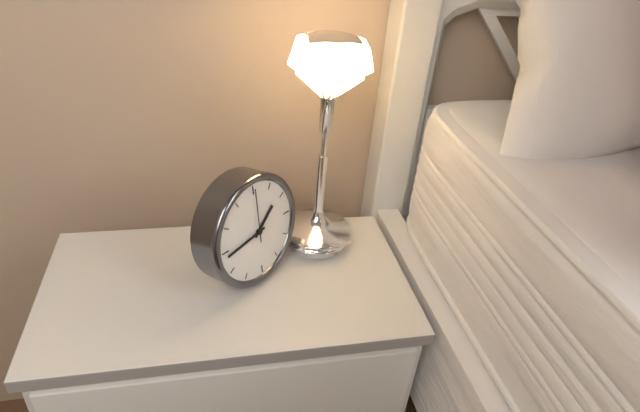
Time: {"hour": 1, "minute": 44, "second": 0}
